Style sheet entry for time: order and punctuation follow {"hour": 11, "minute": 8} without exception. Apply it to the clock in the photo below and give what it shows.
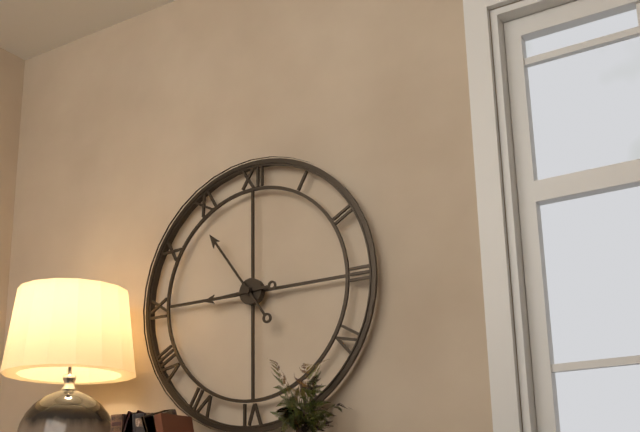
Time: {"hour": 8, "minute": 54}
